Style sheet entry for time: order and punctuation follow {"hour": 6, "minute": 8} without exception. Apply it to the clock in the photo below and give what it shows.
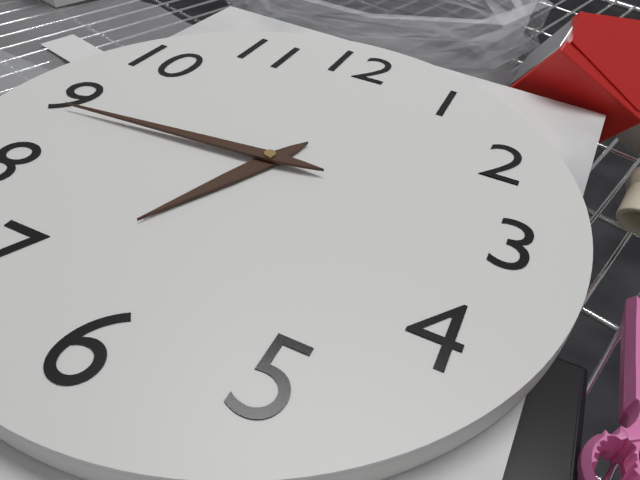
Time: {"hour": 6, "minute": 44}
